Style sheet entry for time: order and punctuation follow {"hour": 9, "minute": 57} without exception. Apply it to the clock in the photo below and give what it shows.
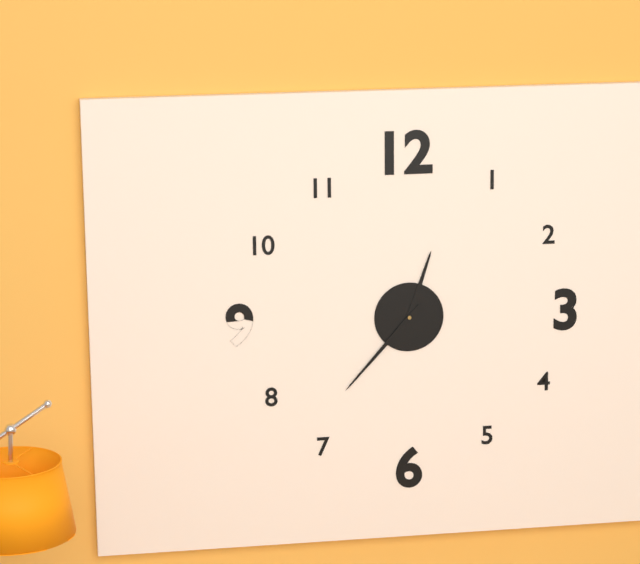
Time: {"hour": 12, "minute": 37}
